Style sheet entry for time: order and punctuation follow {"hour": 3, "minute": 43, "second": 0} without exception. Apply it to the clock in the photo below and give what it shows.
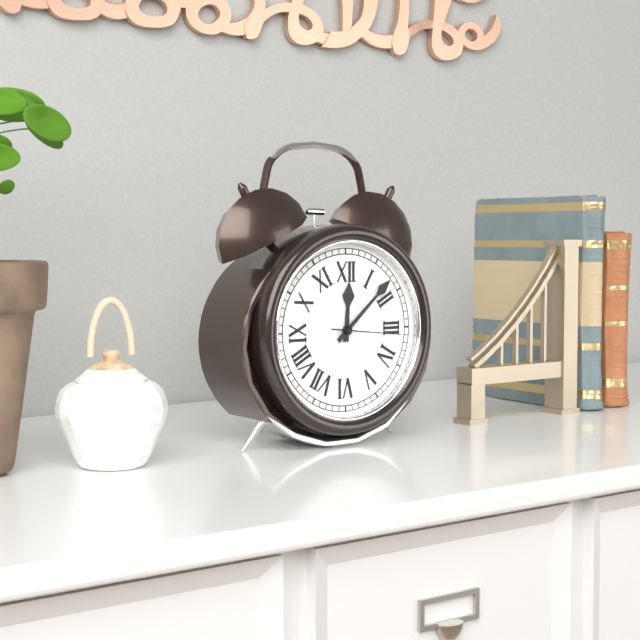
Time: {"hour": 12, "minute": 8, "second": 16}
